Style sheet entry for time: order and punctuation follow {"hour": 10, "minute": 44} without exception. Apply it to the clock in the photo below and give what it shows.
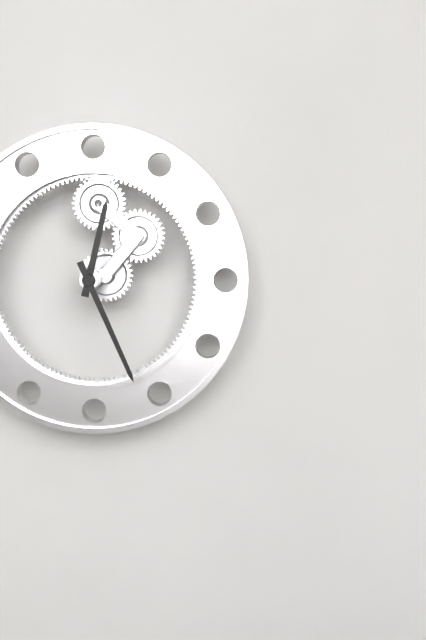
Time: {"hour": 12, "minute": 26}
